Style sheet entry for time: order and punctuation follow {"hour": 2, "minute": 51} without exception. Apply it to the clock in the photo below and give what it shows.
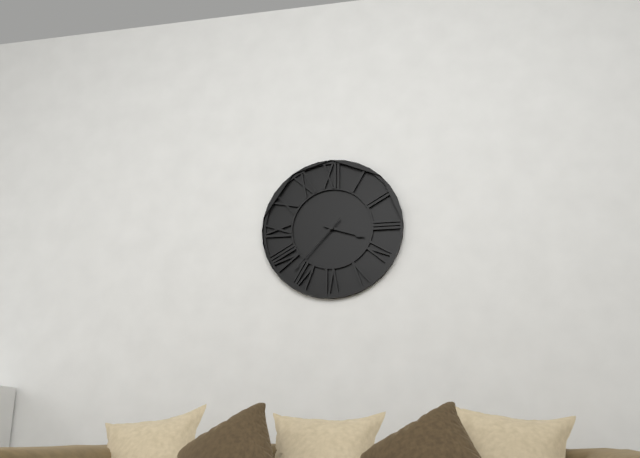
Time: {"hour": 3, "minute": 37}
